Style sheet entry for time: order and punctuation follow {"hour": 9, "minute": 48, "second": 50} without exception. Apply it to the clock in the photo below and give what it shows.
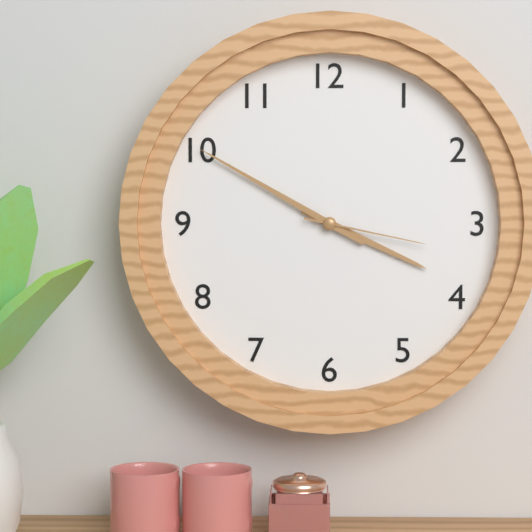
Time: {"hour": 3, "minute": 50, "second": 17}
